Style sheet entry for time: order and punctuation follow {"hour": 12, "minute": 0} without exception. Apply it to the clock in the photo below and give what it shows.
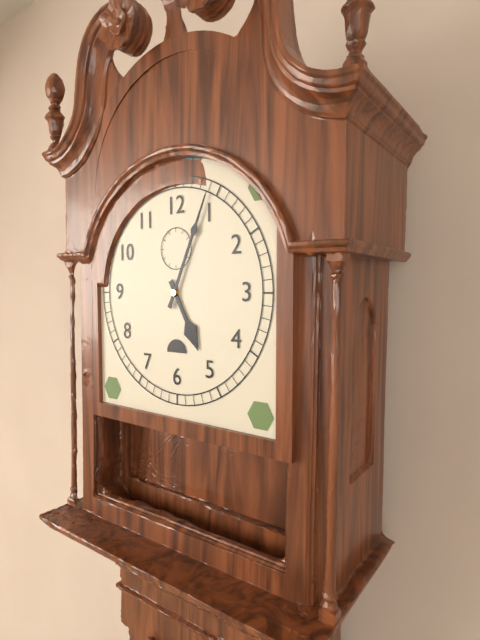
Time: {"hour": 5, "minute": 4}
